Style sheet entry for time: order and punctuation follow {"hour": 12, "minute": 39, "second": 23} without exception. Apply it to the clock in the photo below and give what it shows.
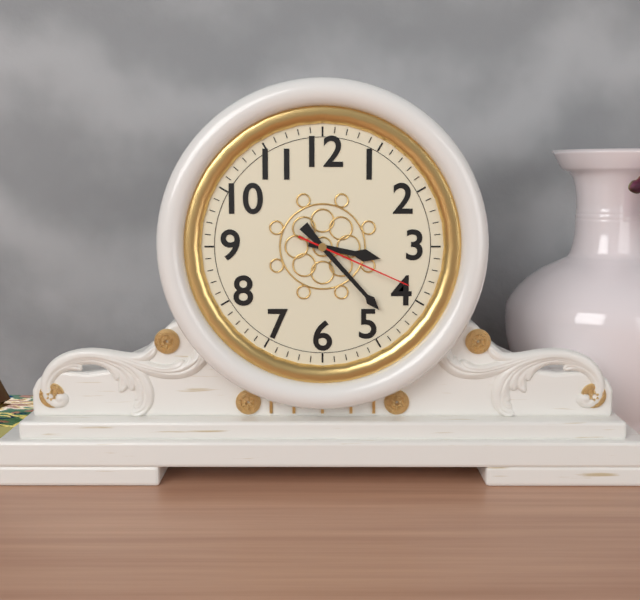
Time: {"hour": 3, "minute": 23, "second": 19}
